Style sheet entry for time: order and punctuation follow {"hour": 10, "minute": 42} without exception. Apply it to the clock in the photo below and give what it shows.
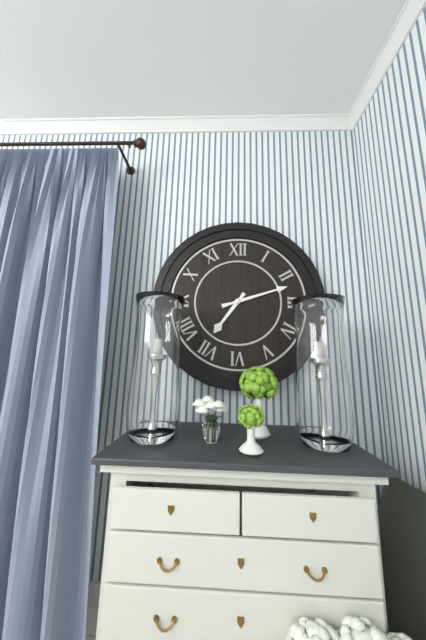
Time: {"hour": 7, "minute": 12}
